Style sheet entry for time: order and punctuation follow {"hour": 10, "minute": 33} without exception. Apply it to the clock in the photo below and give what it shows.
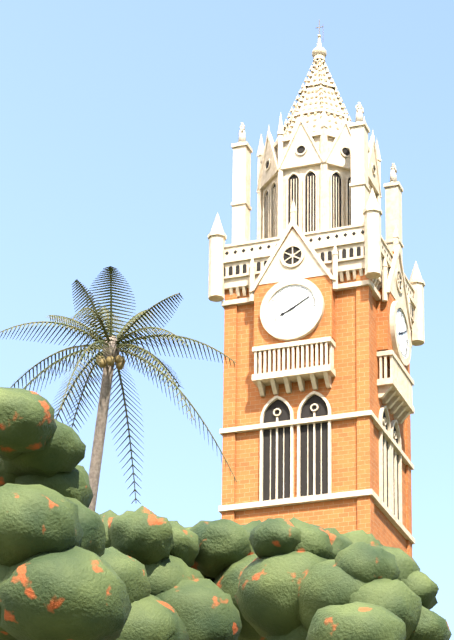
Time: {"hour": 8, "minute": 10}
